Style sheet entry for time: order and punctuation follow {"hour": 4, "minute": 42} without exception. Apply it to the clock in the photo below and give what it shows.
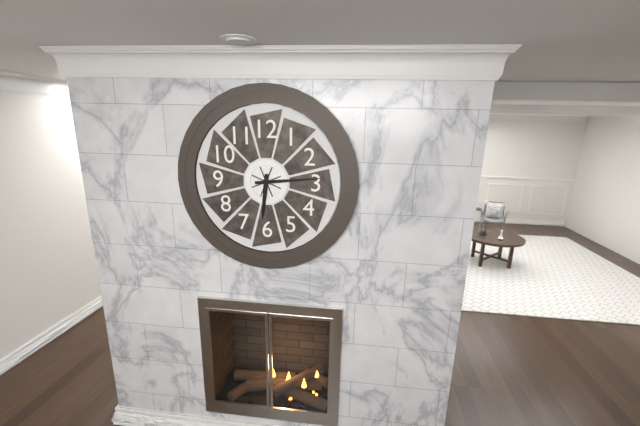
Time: {"hour": 6, "minute": 14}
